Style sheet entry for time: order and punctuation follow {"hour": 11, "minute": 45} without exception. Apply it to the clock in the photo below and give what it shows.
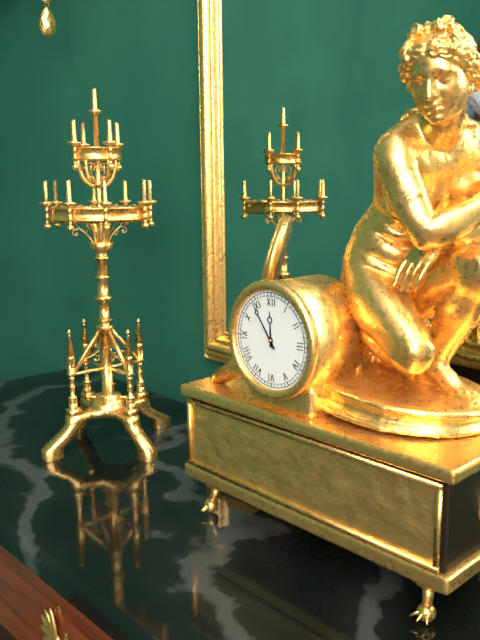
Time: {"hour": 11, "minute": 54}
